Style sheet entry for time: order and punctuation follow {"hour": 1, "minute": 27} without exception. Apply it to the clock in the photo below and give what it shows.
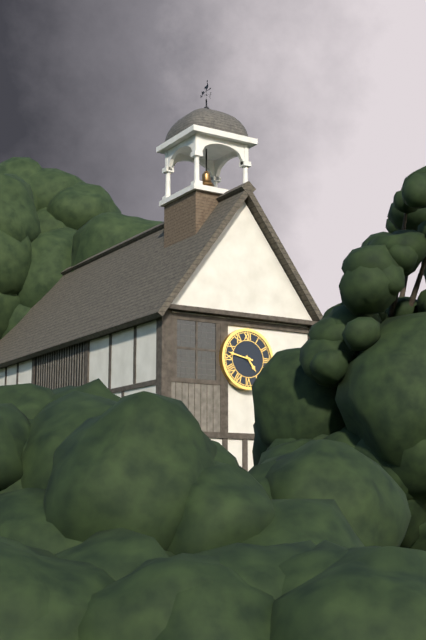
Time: {"hour": 4, "minute": 47}
